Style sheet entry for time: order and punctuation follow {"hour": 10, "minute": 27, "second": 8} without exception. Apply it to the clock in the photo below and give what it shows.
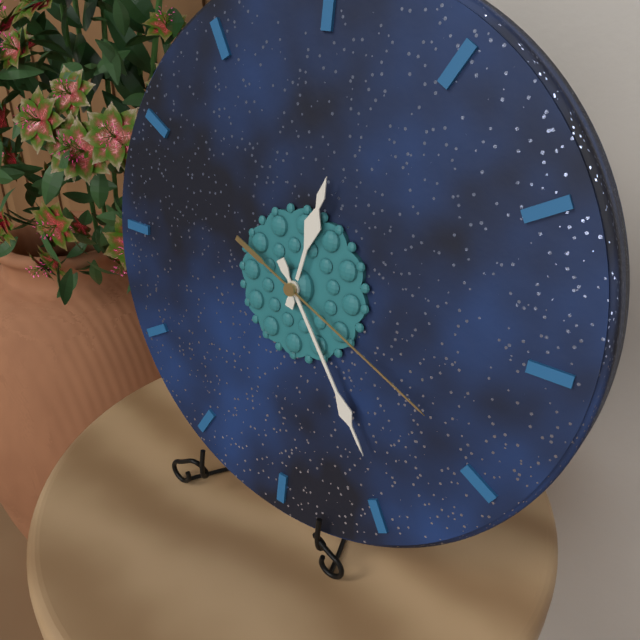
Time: {"hour": 12, "minute": 24, "second": 19}
